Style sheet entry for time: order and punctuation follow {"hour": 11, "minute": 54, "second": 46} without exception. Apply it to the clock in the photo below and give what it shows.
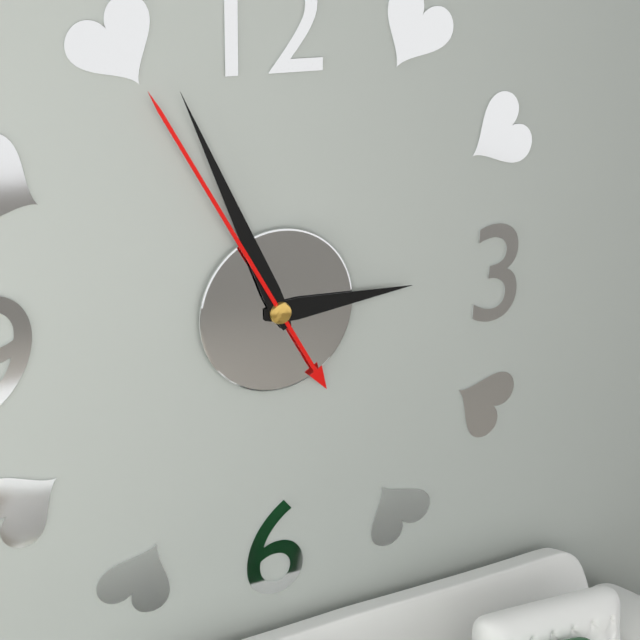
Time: {"hour": 2, "minute": 56, "second": 55}
